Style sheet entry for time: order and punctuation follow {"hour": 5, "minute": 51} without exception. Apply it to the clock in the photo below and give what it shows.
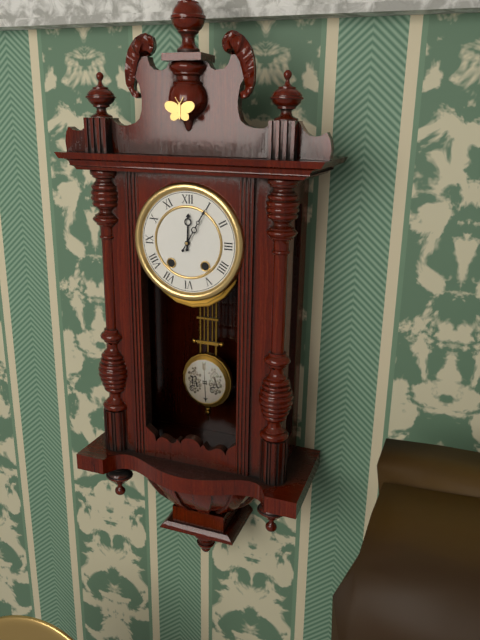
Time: {"hour": 12, "minute": 5}
